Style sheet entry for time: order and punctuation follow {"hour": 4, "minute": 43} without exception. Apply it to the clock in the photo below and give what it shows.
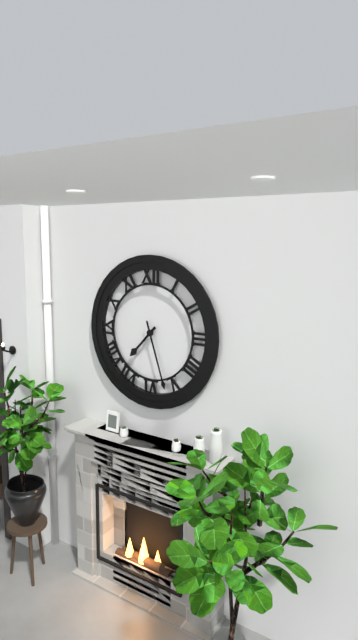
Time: {"hour": 7, "minute": 27}
